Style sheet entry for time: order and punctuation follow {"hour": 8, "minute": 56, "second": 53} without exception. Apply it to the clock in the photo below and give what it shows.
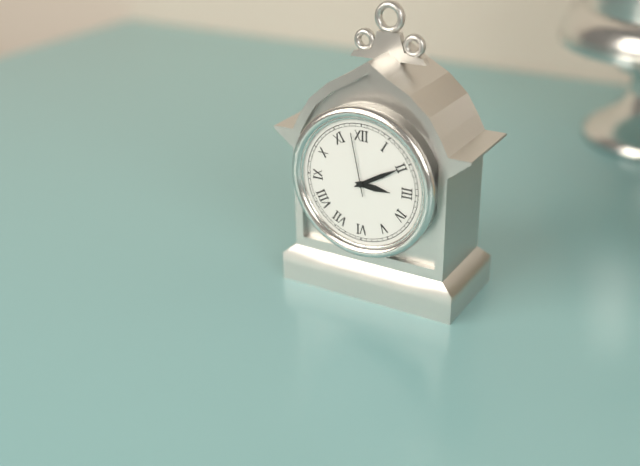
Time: {"hour": 3, "minute": 10, "second": 58}
